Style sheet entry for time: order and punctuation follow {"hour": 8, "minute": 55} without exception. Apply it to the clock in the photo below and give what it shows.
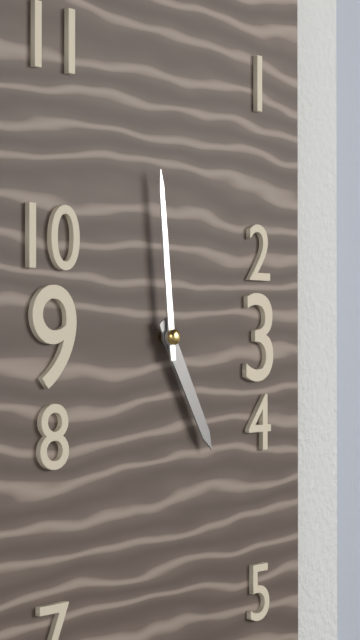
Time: {"hour": 4, "minute": 59}
